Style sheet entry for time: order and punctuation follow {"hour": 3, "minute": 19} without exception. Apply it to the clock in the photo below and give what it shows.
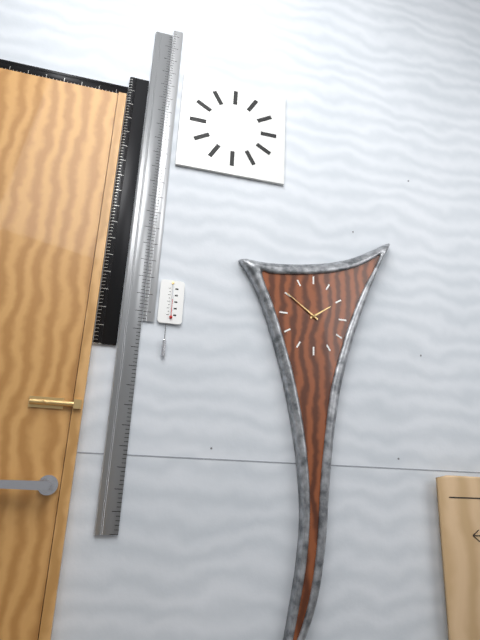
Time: {"hour": 1, "minute": 51}
